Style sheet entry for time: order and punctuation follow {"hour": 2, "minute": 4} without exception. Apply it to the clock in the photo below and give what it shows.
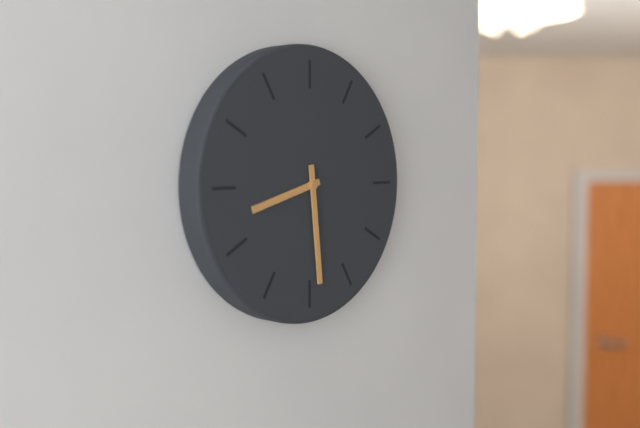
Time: {"hour": 8, "minute": 29}
